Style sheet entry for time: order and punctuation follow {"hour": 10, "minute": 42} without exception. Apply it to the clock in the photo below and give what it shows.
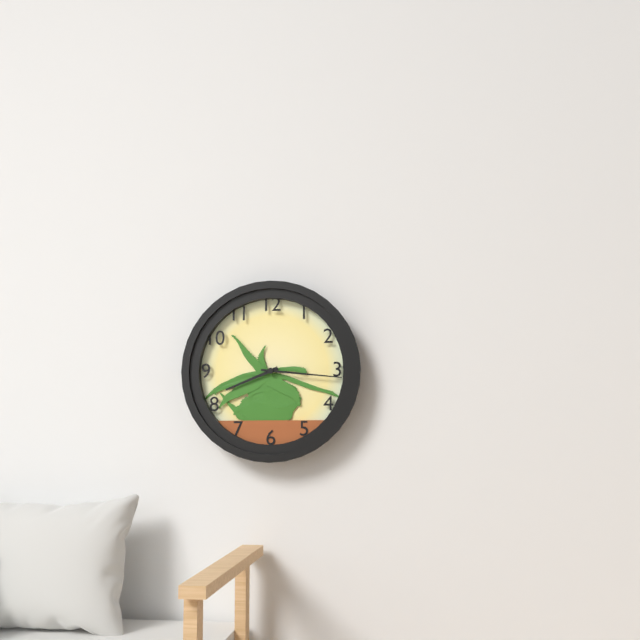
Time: {"hour": 8, "minute": 16}
